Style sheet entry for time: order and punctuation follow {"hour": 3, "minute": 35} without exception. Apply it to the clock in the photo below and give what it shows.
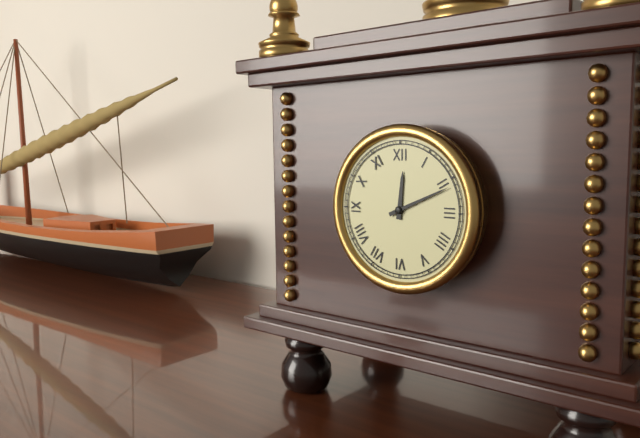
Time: {"hour": 12, "minute": 11}
